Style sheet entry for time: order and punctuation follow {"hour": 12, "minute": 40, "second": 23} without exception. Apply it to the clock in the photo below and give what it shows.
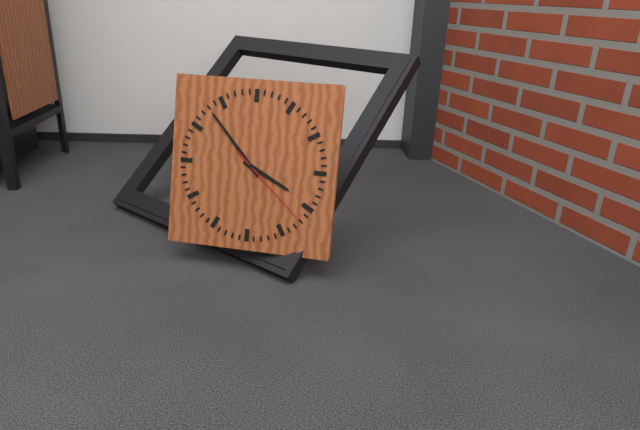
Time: {"hour": 3, "minute": 53, "second": 22}
